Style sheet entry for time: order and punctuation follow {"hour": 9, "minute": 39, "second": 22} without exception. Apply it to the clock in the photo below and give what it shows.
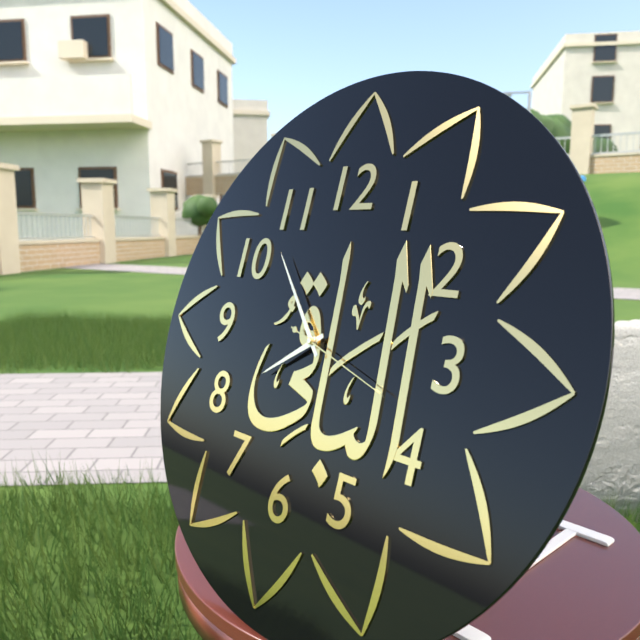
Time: {"hour": 7, "minute": 53, "second": 18}
